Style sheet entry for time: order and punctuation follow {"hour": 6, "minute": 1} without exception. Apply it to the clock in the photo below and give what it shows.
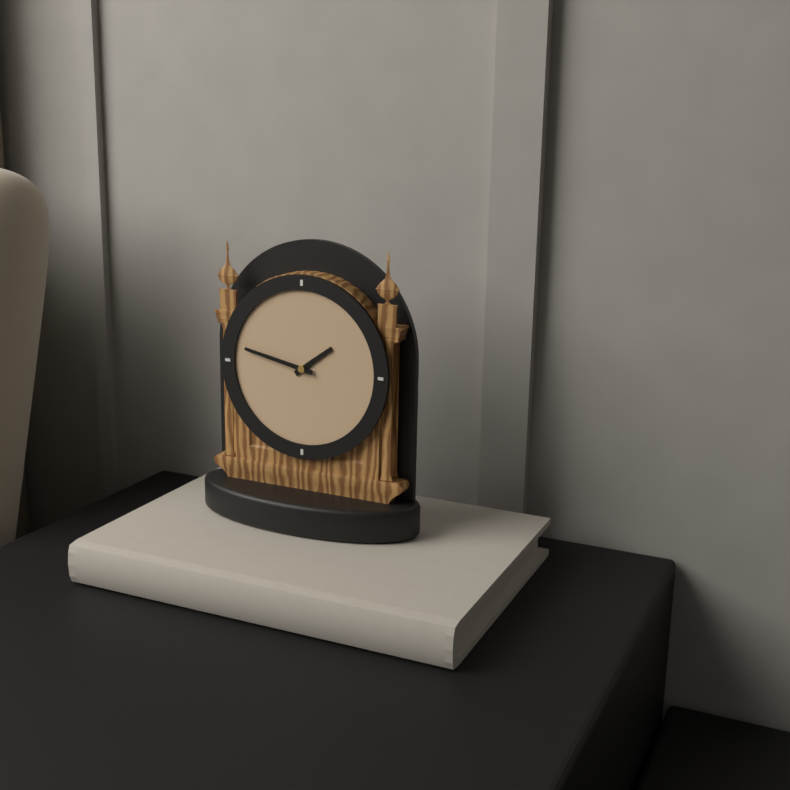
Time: {"hour": 1, "minute": 47}
